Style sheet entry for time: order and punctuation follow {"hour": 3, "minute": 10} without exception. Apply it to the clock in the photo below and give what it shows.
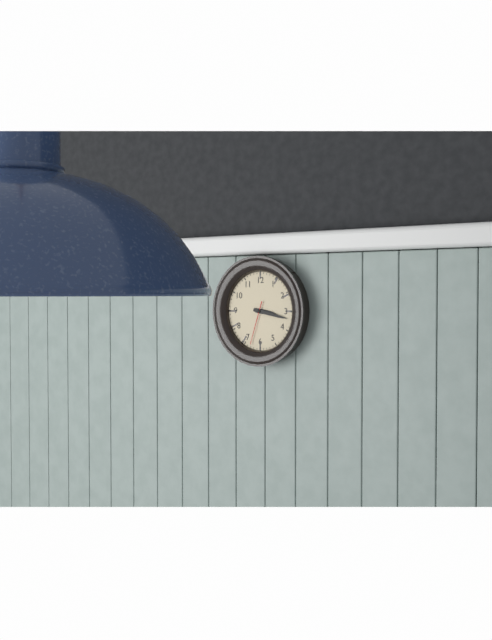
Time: {"hour": 3, "minute": 17}
